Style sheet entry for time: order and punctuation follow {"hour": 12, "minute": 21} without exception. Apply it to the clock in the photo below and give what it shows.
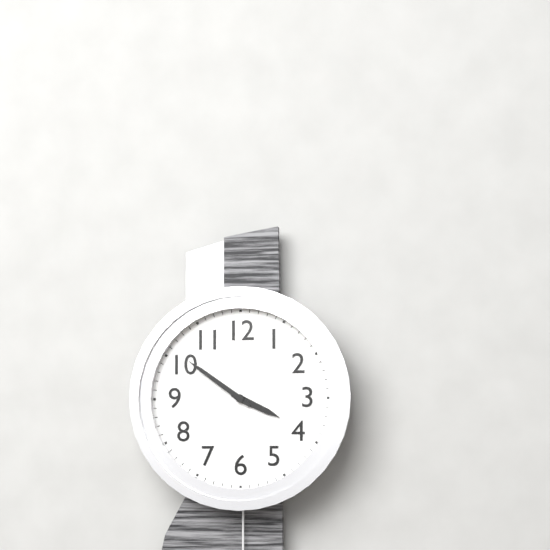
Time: {"hour": 3, "minute": 51}
